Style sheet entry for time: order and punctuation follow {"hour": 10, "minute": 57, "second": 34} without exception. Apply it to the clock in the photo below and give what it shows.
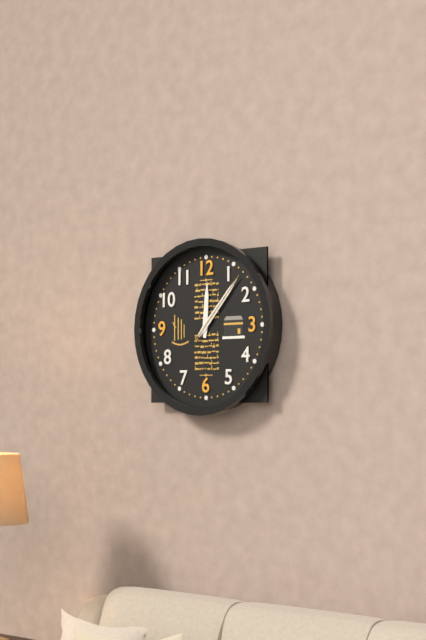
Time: {"hour": 12, "minute": 7, "second": 7}
